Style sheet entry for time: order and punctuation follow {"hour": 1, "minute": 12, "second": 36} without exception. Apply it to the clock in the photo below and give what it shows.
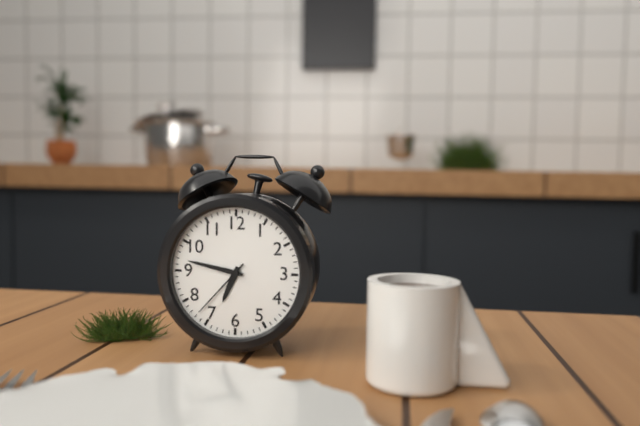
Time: {"hour": 6, "minute": 47, "second": 37}
